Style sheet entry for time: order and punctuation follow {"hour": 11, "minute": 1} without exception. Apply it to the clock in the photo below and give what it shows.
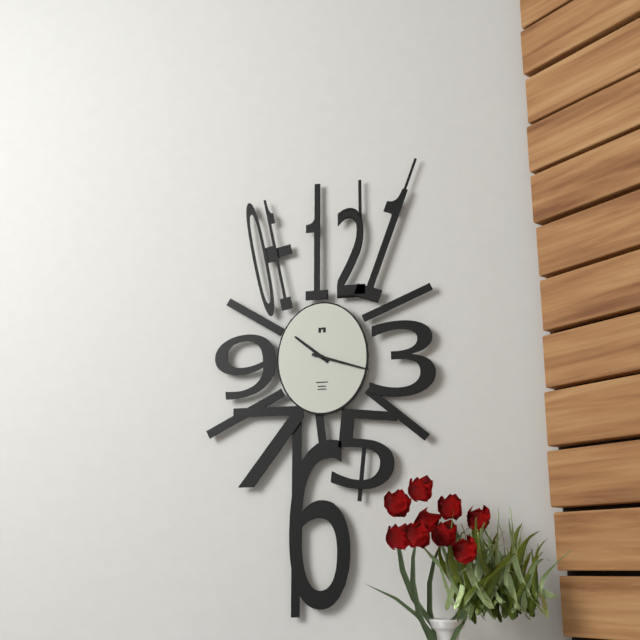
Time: {"hour": 10, "minute": 18}
